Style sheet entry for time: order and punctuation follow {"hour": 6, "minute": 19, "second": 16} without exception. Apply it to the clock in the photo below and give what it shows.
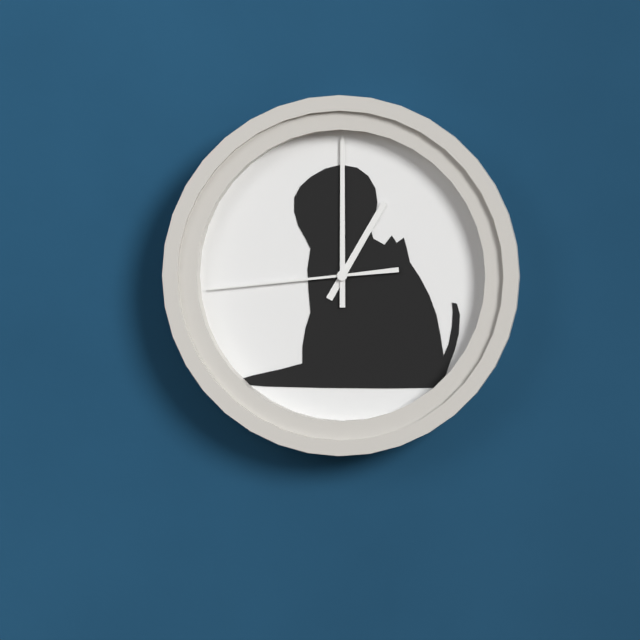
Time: {"hour": 1, "minute": 0, "second": 44}
